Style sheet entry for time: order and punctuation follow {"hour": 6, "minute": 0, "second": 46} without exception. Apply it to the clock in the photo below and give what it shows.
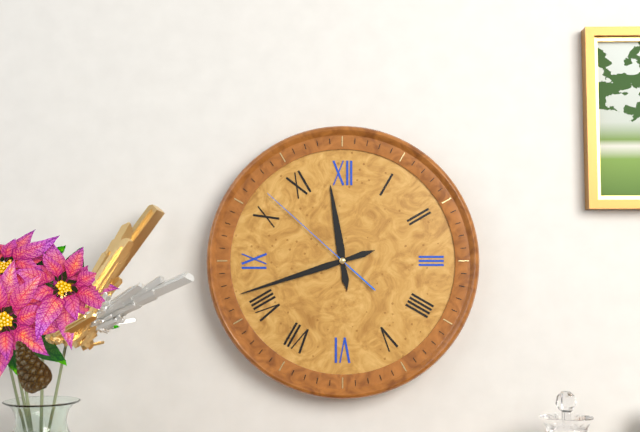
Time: {"hour": 11, "minute": 42, "second": 52}
